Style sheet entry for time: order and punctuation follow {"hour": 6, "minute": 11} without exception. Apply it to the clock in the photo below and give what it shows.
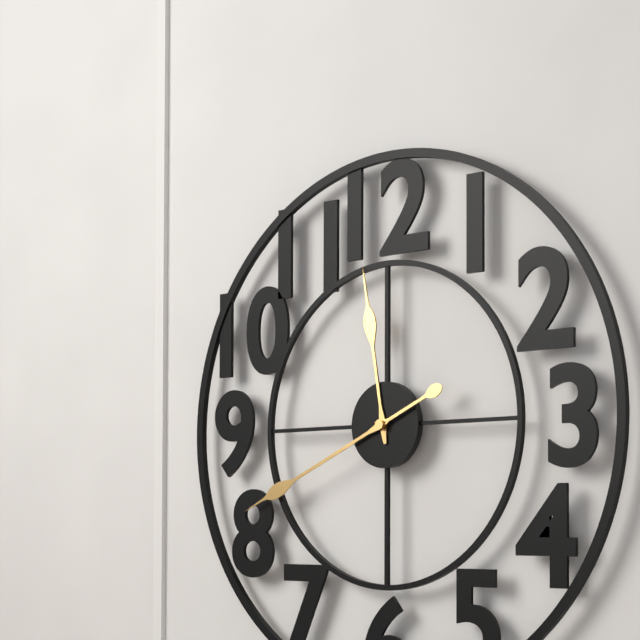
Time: {"hour": 11, "minute": 41}
